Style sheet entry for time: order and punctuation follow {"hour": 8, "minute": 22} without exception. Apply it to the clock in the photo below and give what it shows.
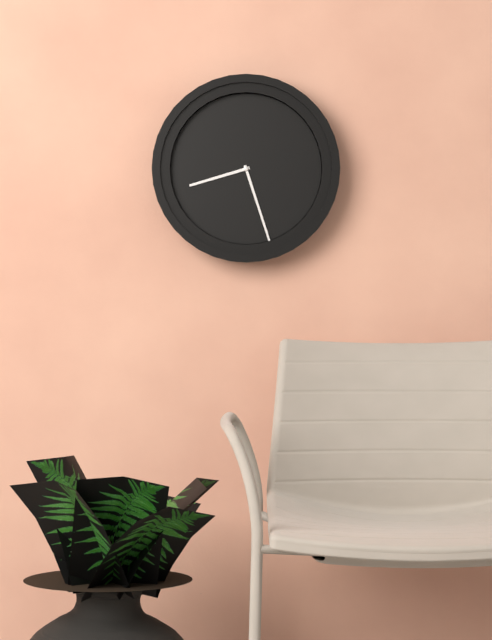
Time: {"hour": 8, "minute": 27}
